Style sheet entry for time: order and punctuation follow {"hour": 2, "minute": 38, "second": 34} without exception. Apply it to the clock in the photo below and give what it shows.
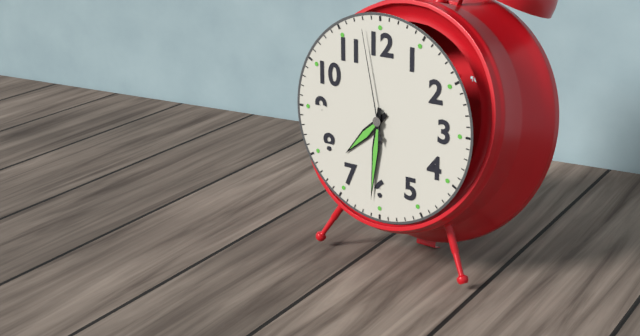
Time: {"hour": 7, "minute": 31, "second": 58}
